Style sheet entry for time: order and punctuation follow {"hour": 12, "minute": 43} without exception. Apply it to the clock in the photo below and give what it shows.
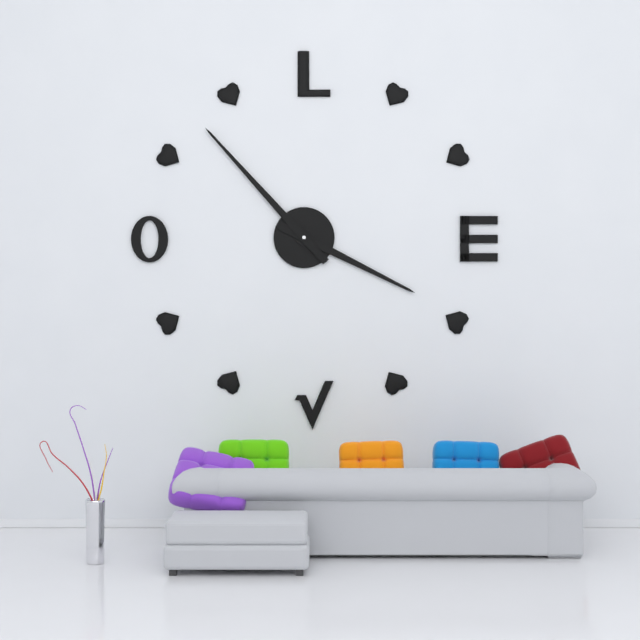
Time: {"hour": 3, "minute": 53}
